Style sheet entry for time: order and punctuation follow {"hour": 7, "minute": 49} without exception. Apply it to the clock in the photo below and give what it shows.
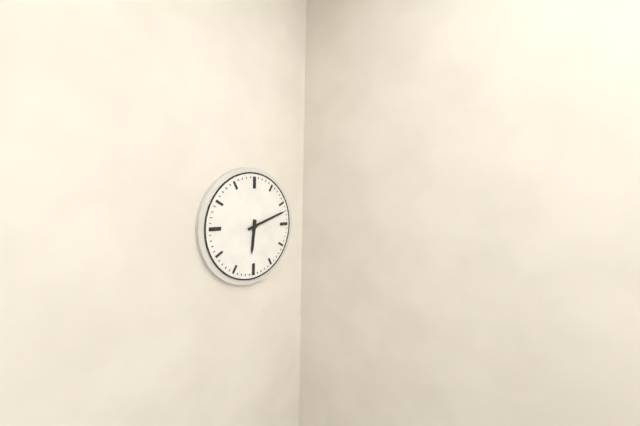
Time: {"hour": 6, "minute": 12}
